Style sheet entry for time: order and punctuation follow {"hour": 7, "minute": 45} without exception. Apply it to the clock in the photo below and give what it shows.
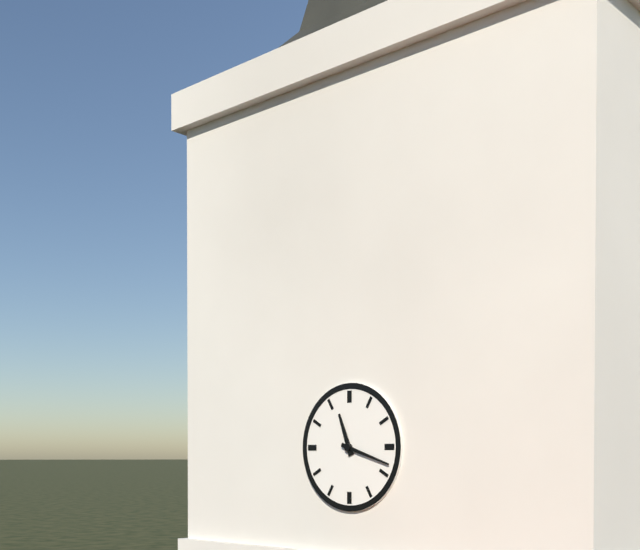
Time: {"hour": 11, "minute": 18}
